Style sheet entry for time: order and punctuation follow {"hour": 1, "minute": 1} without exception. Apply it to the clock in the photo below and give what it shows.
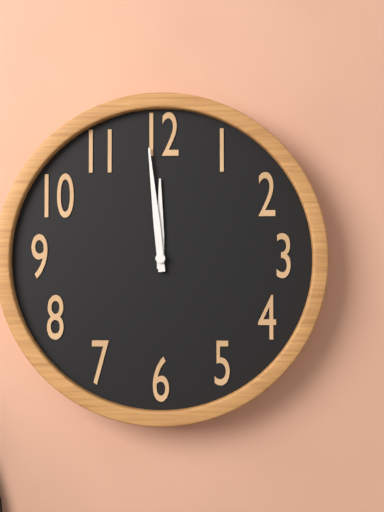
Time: {"hour": 11, "minute": 59}
